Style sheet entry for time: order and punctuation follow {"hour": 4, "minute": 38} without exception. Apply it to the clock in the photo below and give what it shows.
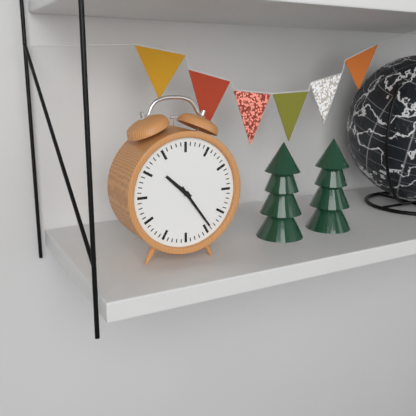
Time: {"hour": 10, "minute": 24}
